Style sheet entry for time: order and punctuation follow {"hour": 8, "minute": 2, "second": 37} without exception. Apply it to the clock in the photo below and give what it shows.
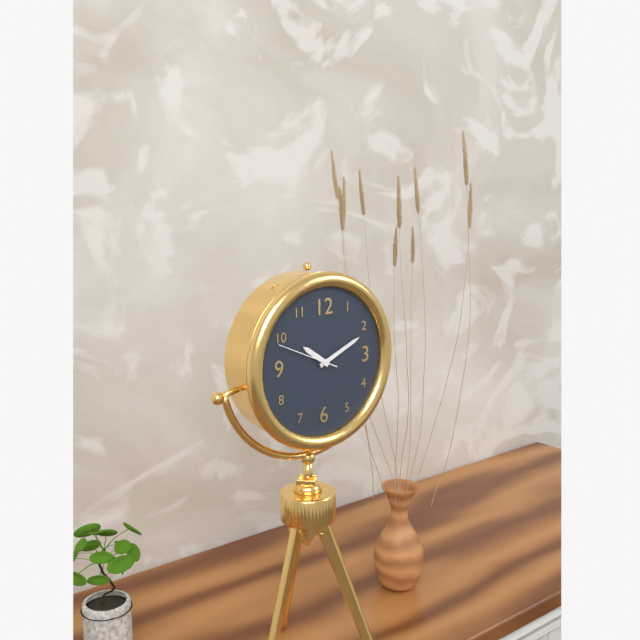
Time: {"hour": 10, "minute": 11, "second": 49}
